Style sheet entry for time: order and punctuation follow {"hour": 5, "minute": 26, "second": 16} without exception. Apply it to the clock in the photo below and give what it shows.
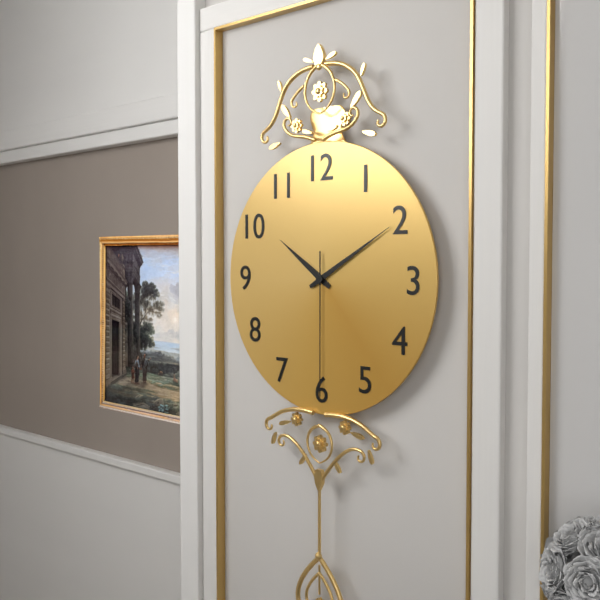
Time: {"hour": 10, "minute": 10, "second": 30}
